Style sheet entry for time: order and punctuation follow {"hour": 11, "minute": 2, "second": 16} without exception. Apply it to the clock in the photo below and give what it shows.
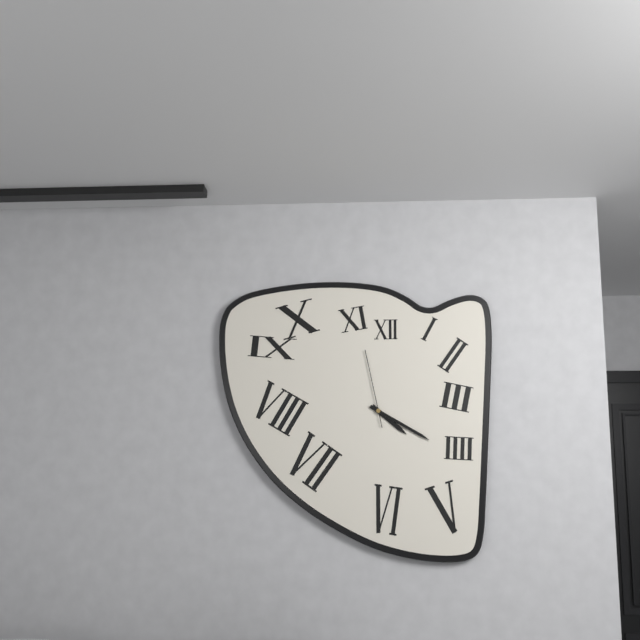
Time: {"hour": 4, "minute": 20, "second": 58}
